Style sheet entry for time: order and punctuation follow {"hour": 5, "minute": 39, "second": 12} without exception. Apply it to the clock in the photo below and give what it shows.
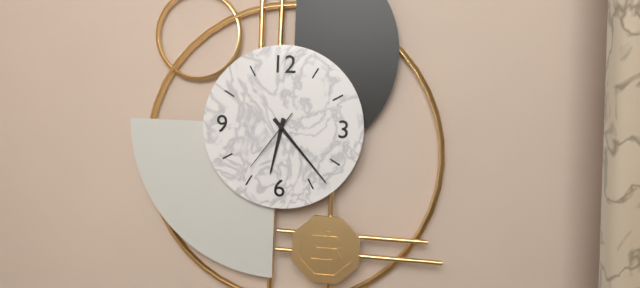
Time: {"hour": 6, "minute": 23, "second": 36}
